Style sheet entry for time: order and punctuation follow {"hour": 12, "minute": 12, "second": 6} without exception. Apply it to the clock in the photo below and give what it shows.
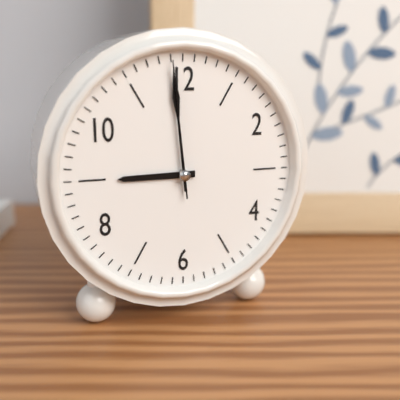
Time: {"hour": 8, "minute": 59, "second": 59}
